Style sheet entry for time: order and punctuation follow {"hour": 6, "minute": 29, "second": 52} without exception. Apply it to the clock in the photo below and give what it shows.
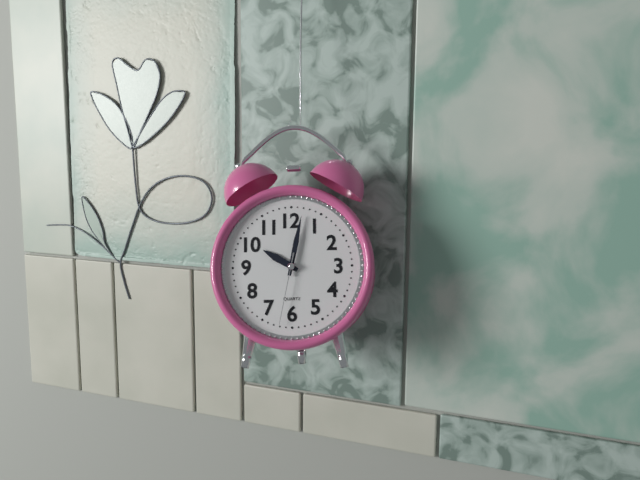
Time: {"hour": 10, "minute": 2, "second": 32}
